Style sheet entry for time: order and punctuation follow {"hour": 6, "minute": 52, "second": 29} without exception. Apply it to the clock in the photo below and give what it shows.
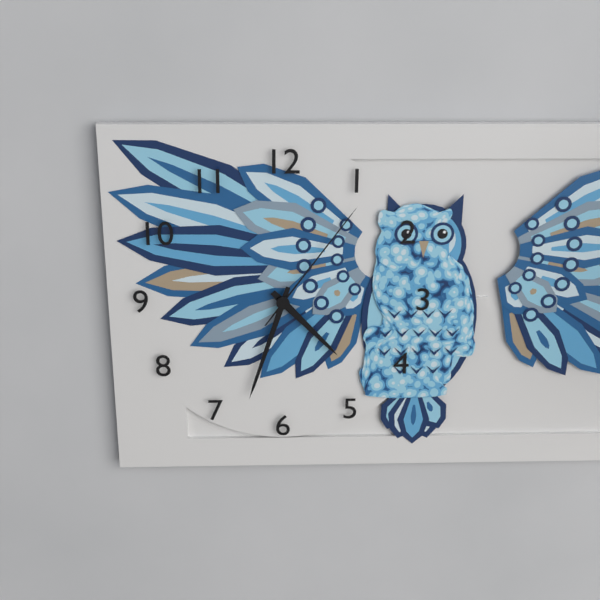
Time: {"hour": 4, "minute": 33, "second": 6}
